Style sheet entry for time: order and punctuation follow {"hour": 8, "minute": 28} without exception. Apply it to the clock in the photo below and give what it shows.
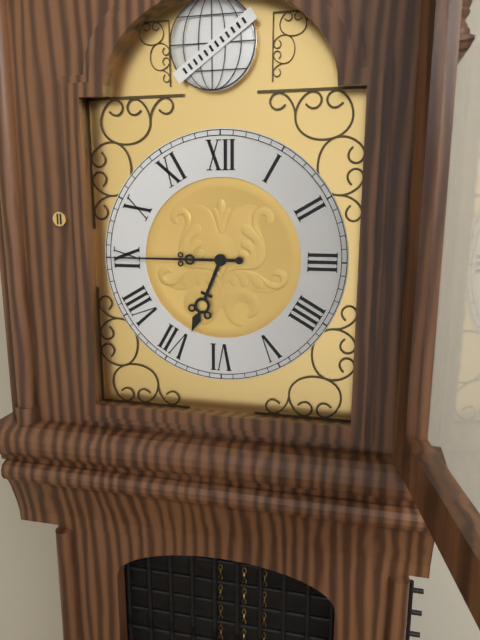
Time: {"hour": 6, "minute": 45}
